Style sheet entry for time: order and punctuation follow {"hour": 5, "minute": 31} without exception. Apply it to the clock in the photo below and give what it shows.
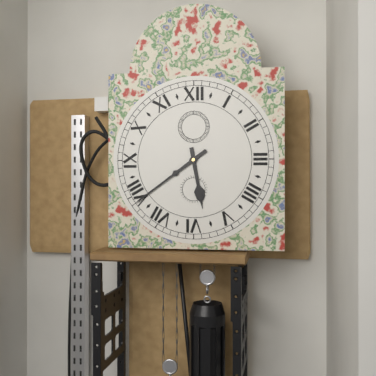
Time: {"hour": 5, "minute": 39}
